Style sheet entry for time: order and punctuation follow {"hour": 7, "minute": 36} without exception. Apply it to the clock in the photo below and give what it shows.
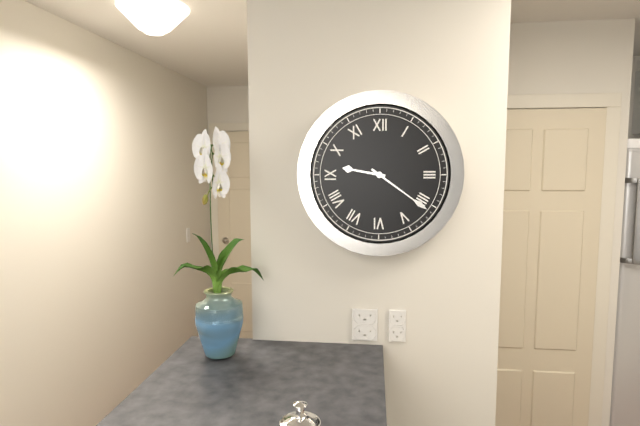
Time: {"hour": 9, "minute": 21}
